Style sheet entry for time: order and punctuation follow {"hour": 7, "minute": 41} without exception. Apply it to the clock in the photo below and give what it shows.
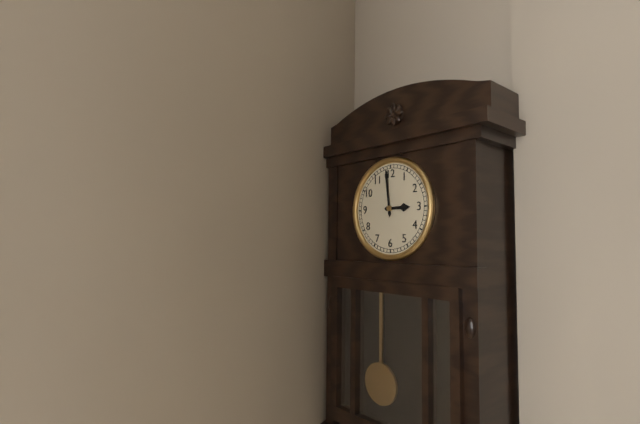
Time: {"hour": 2, "minute": 59}
